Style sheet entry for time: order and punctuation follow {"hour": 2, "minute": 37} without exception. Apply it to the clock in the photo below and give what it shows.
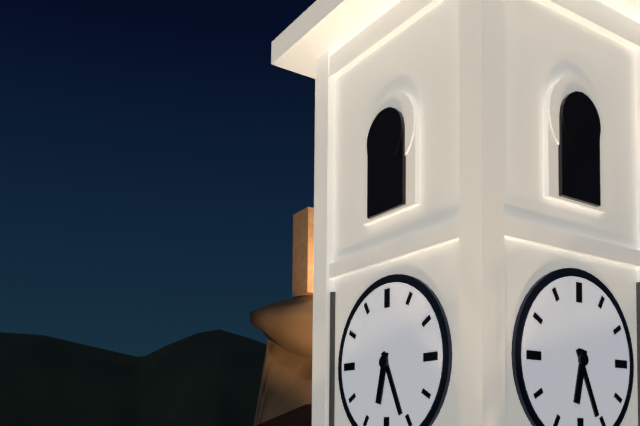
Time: {"hour": 6, "minute": 26}
